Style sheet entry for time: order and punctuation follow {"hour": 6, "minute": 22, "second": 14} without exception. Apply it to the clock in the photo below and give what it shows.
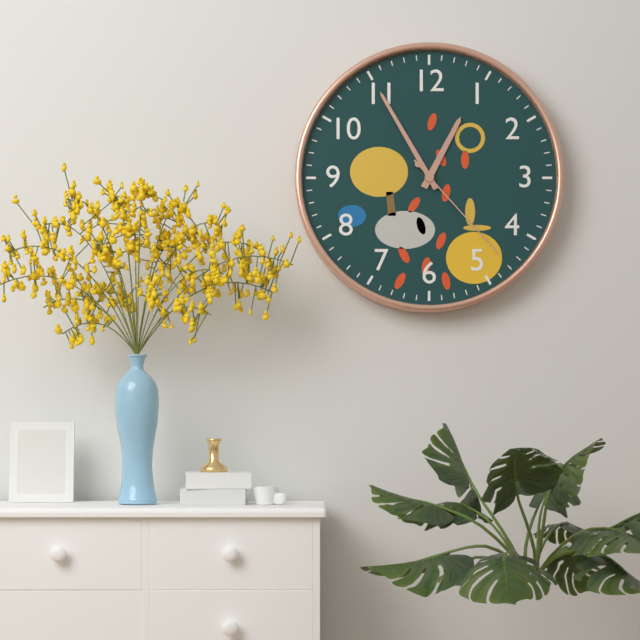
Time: {"hour": 12, "minute": 55, "second": 23}
